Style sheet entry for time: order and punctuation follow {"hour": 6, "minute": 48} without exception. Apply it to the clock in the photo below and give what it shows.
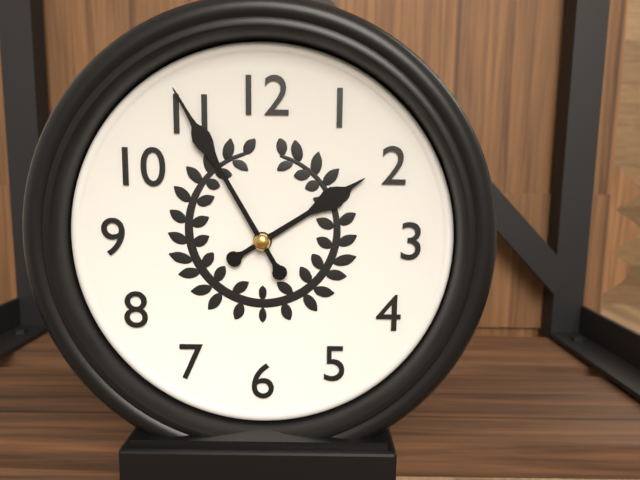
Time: {"hour": 1, "minute": 55}
